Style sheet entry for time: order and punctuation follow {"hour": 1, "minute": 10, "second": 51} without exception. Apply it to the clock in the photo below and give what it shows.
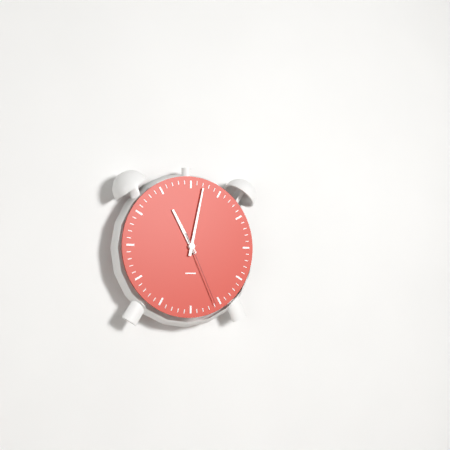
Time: {"hour": 11, "minute": 2, "second": 26}
